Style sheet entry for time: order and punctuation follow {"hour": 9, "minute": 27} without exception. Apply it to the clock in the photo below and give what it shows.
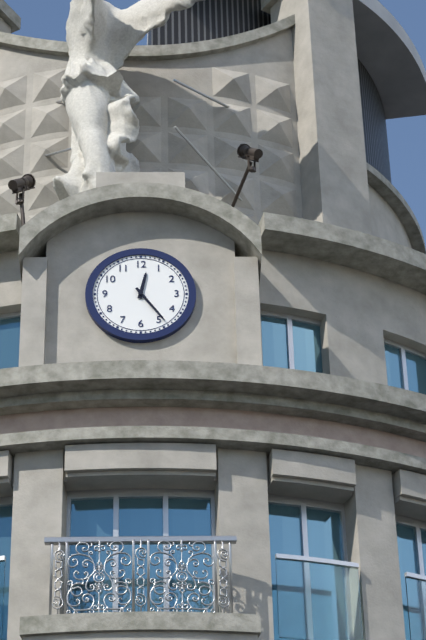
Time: {"hour": 12, "minute": 24}
